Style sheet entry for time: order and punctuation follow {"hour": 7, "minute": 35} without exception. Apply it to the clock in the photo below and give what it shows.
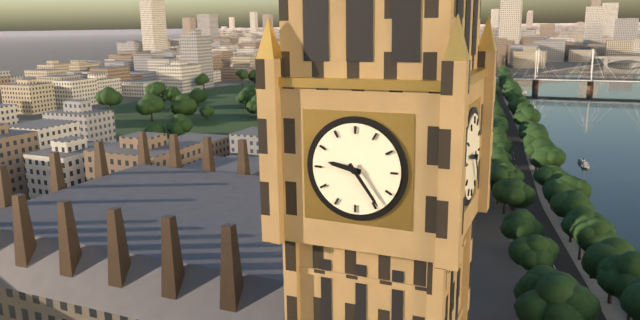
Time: {"hour": 9, "minute": 24}
